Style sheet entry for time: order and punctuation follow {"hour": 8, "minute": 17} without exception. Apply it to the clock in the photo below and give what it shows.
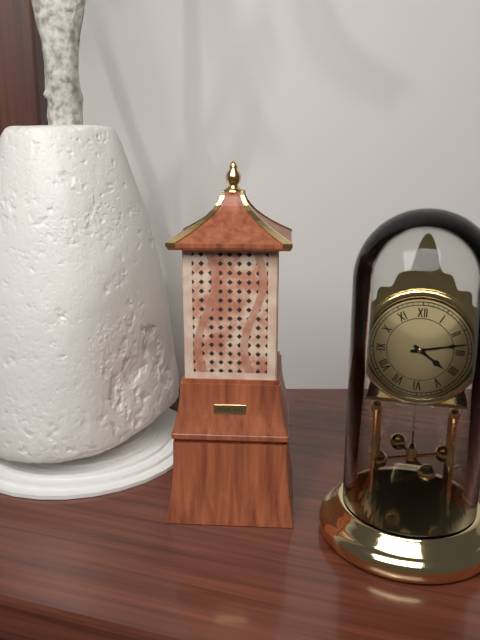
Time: {"hour": 4, "minute": 13}
